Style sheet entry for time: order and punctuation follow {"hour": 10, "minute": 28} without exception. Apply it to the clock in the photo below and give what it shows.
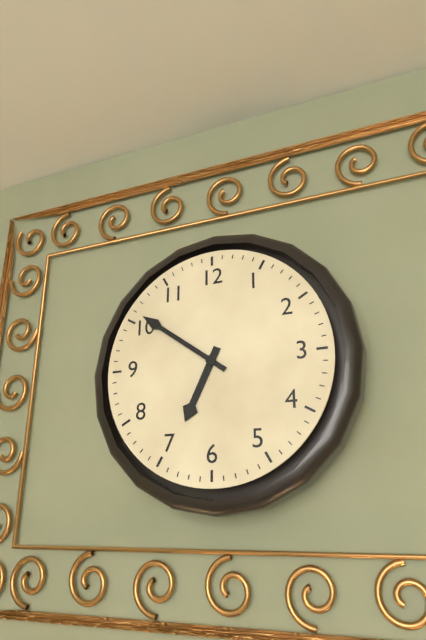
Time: {"hour": 6, "minute": 51}
